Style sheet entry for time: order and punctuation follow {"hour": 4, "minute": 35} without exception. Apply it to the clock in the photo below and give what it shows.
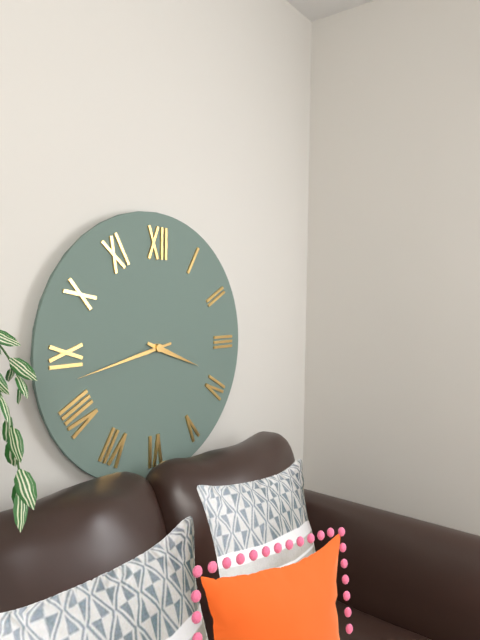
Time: {"hour": 3, "minute": 43}
